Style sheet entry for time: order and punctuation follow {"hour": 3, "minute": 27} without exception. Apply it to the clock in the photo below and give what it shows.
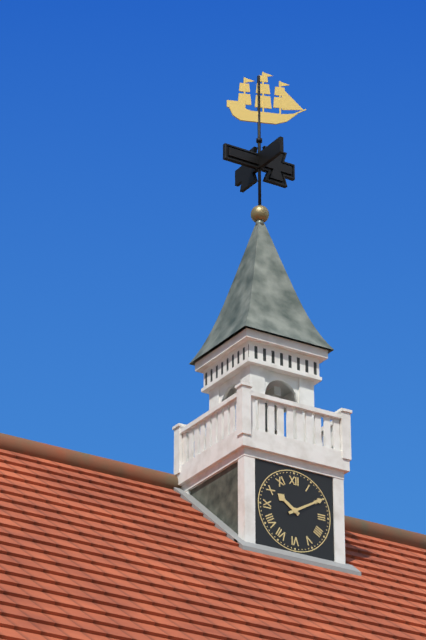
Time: {"hour": 10, "minute": 10}
